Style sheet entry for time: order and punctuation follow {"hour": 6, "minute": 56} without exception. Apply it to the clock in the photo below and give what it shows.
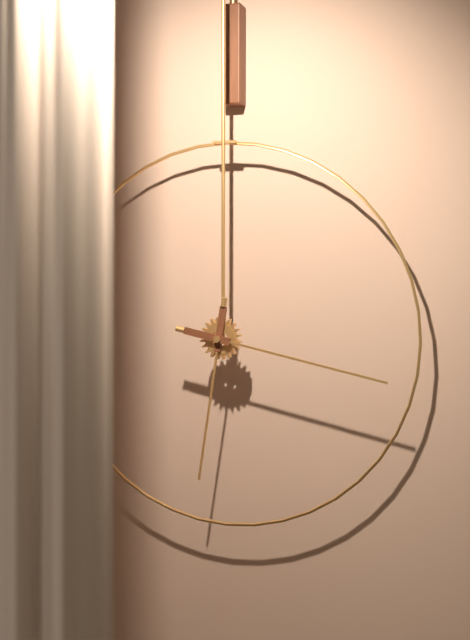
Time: {"hour": 6, "minute": 17}
